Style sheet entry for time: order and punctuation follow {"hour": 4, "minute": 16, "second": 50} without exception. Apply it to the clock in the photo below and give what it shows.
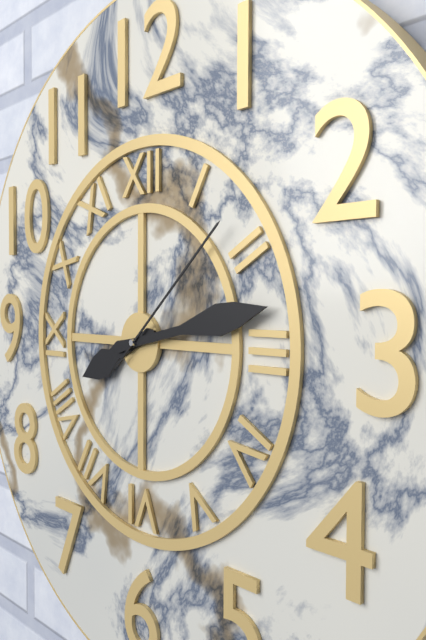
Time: {"hour": 8, "minute": 13, "second": 8}
